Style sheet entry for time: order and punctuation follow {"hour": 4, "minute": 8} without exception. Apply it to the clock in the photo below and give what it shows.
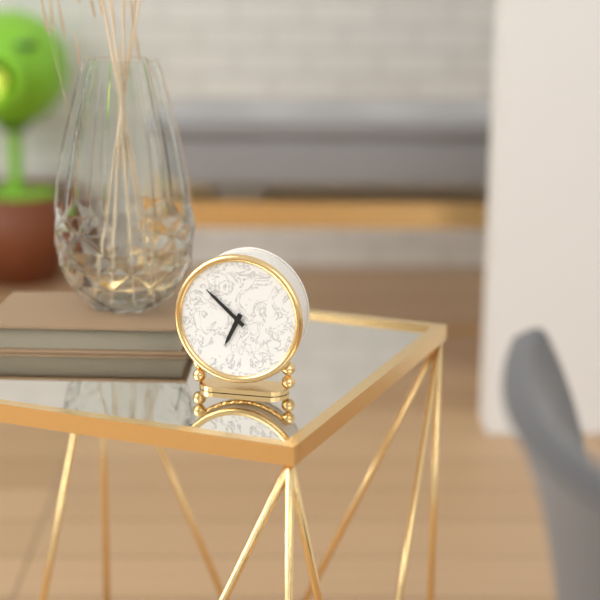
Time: {"hour": 6, "minute": 52}
